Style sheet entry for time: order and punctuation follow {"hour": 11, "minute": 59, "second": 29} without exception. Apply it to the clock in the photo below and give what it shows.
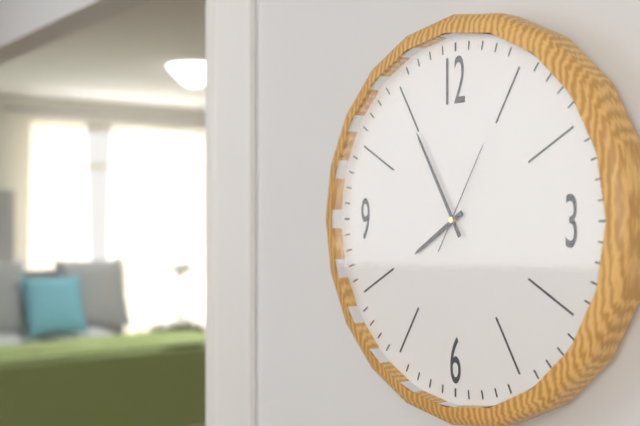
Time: {"hour": 7, "minute": 55, "second": 5}
